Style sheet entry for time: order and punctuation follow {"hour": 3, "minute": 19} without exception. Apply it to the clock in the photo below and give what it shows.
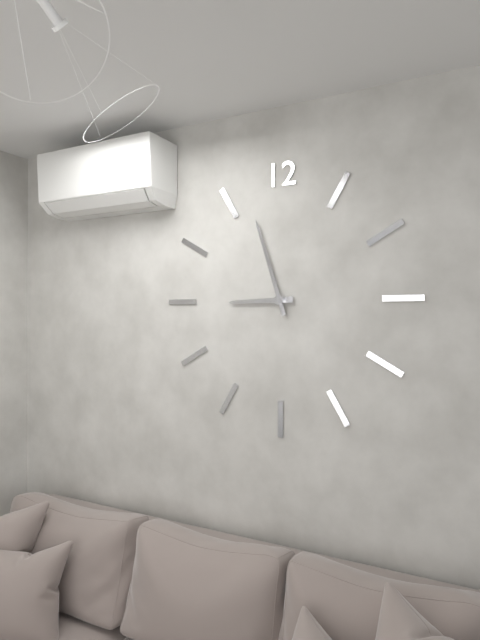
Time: {"hour": 8, "minute": 57}
